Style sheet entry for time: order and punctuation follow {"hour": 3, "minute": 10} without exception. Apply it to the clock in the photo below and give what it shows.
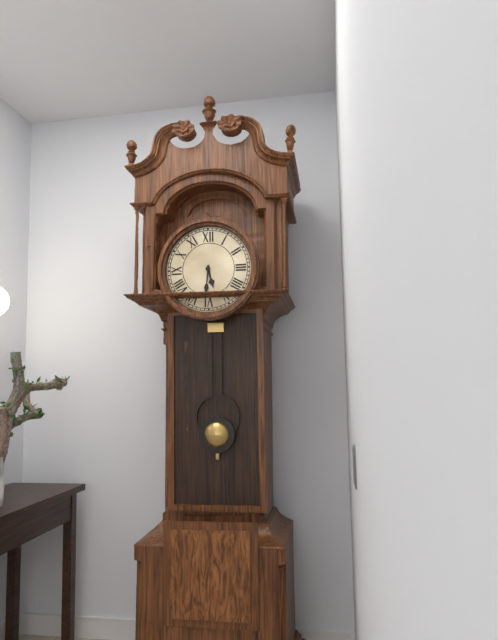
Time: {"hour": 5, "minute": 31}
